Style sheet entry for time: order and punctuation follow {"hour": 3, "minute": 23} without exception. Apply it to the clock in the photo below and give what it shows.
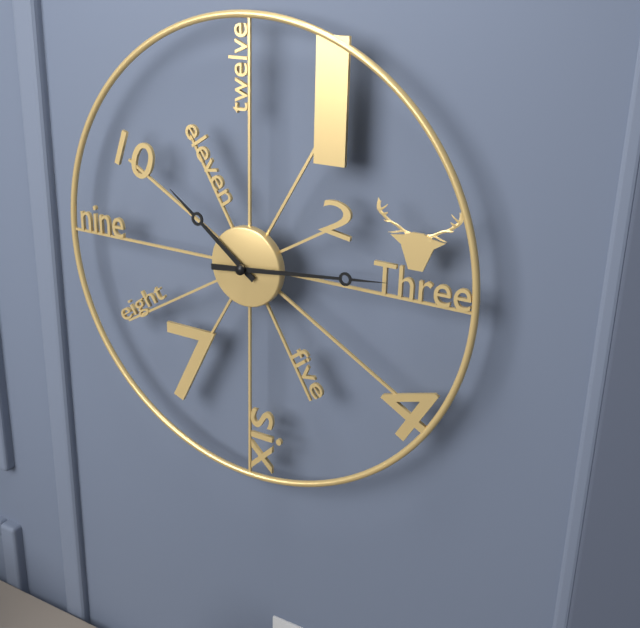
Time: {"hour": 10, "minute": 14}
